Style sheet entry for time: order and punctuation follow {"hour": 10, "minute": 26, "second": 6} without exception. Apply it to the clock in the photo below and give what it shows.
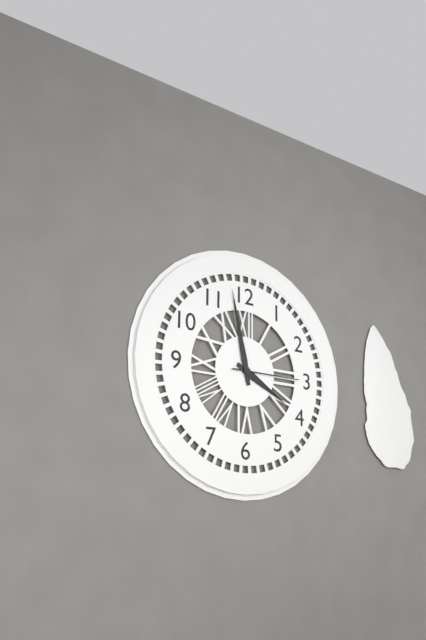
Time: {"hour": 3, "minute": 58, "second": 15}
